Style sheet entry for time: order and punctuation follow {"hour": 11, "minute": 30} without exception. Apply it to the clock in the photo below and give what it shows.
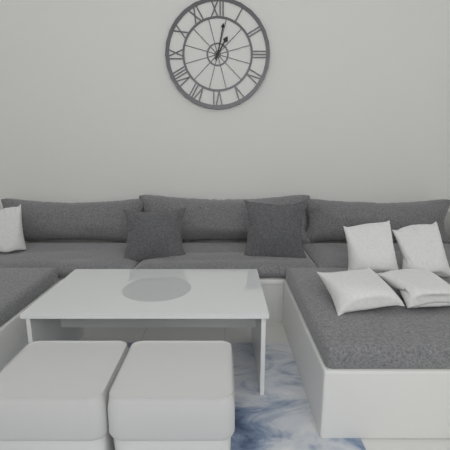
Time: {"hour": 1, "minute": 2}
